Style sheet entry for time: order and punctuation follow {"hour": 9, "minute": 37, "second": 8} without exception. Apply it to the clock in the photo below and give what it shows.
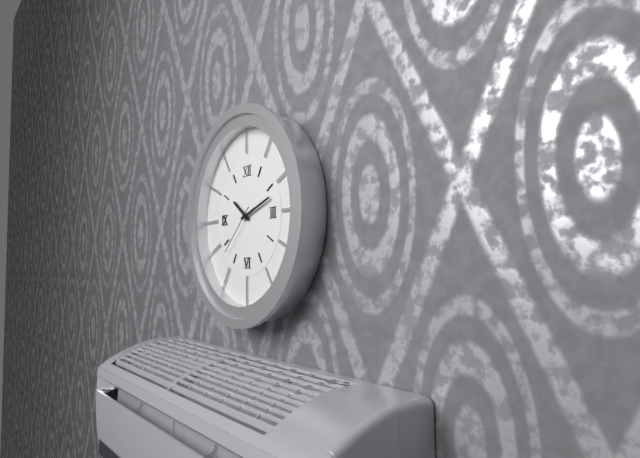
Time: {"hour": 10, "minute": 12, "second": 38}
